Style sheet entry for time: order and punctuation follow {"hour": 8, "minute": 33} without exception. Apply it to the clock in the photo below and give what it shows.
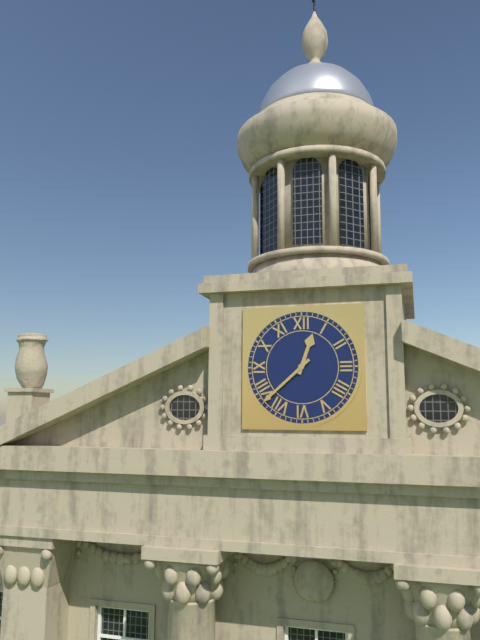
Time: {"hour": 12, "minute": 38}
